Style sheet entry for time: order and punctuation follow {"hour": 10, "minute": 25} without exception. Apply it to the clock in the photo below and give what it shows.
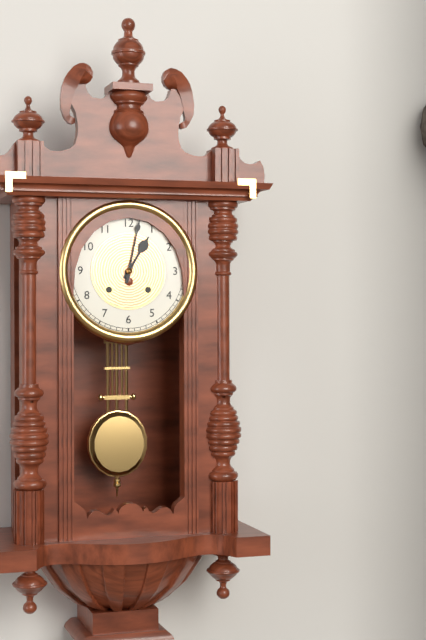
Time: {"hour": 1, "minute": 2}
